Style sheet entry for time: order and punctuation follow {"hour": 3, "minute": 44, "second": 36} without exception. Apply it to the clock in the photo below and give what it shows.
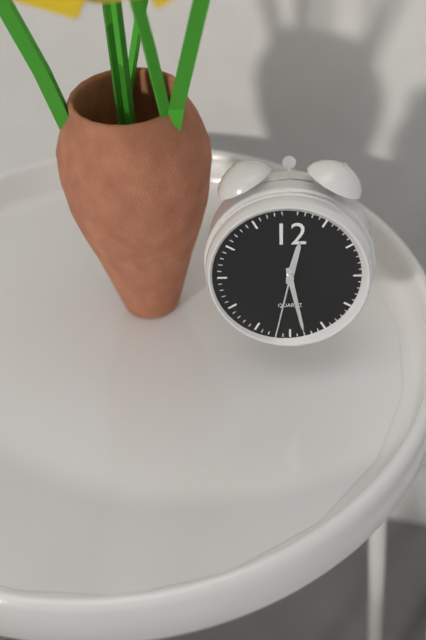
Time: {"hour": 12, "minute": 28, "second": 32}
